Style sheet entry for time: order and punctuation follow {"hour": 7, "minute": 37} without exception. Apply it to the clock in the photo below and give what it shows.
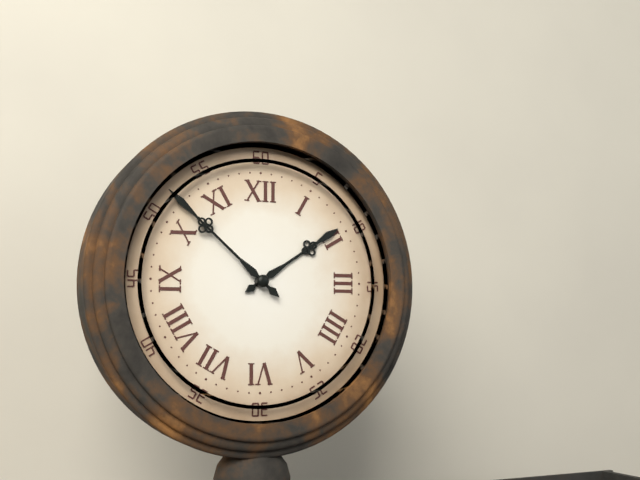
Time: {"hour": 1, "minute": 52}
